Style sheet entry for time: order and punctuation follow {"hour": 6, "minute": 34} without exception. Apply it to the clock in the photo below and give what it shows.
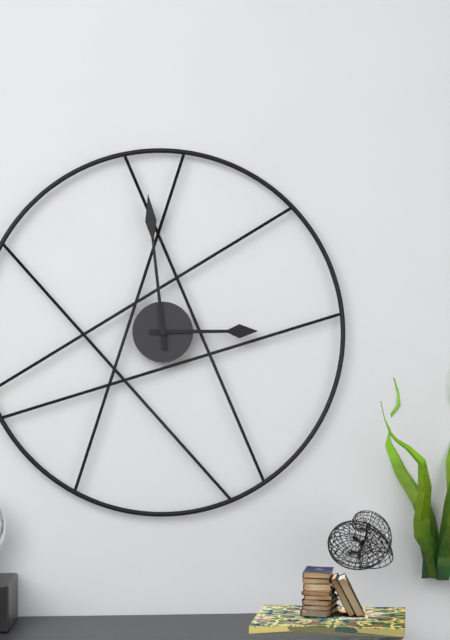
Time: {"hour": 2, "minute": 59}
